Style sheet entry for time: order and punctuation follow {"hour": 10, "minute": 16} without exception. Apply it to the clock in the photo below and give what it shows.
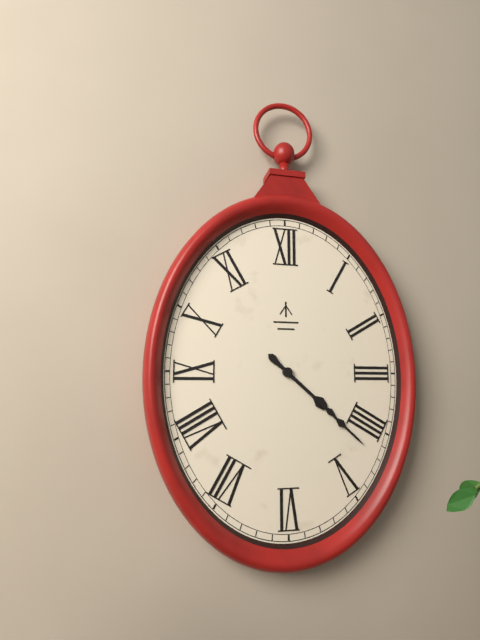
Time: {"hour": 4, "minute": 22}
